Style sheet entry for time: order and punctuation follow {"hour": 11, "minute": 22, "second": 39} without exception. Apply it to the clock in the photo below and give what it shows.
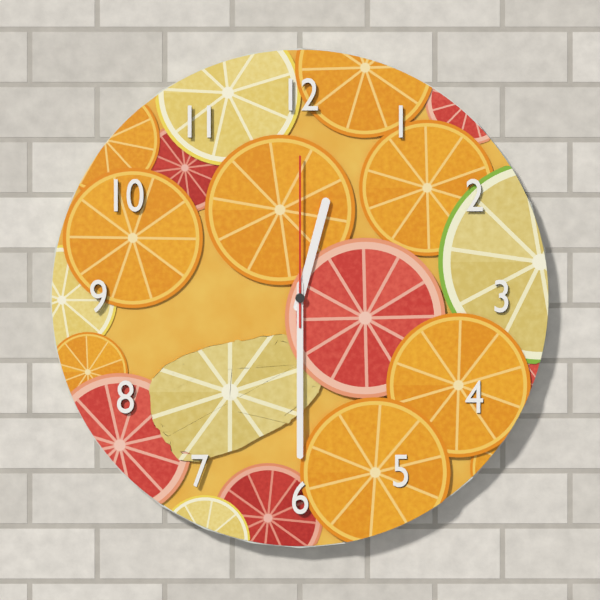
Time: {"hour": 12, "minute": 30, "second": 0}
